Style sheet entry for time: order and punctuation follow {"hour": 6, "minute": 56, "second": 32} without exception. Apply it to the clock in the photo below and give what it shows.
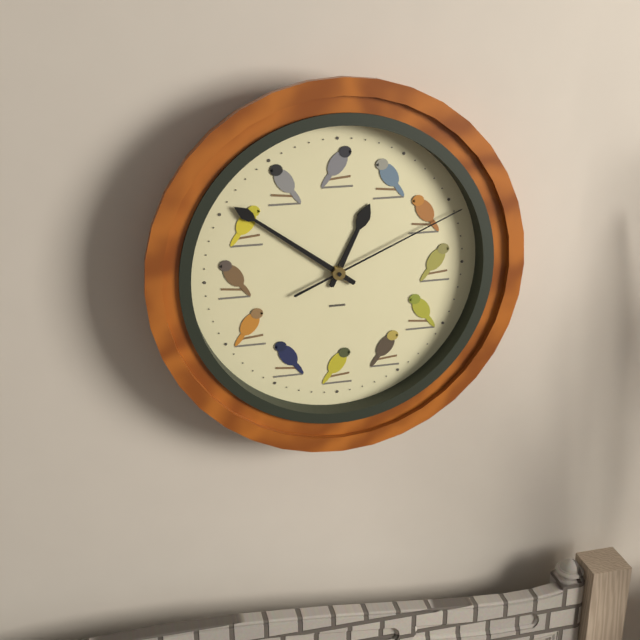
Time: {"hour": 12, "minute": 51, "second": 11}
